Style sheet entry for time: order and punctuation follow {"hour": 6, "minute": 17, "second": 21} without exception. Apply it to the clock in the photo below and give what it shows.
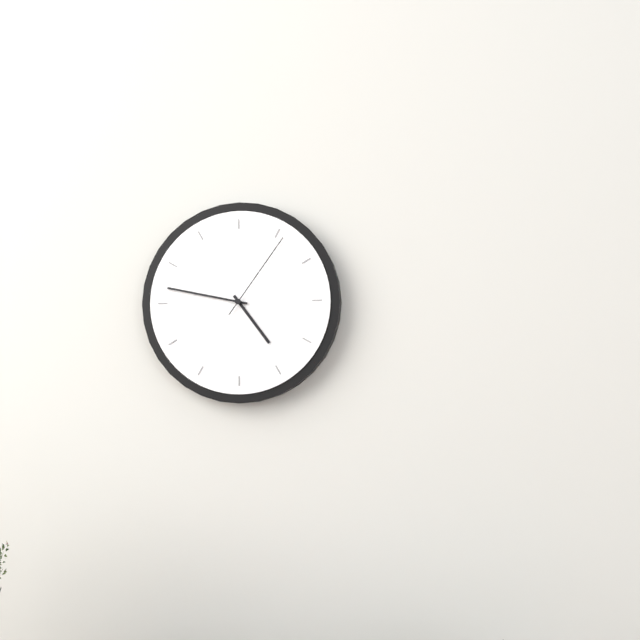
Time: {"hour": 4, "minute": 47, "second": 6}
